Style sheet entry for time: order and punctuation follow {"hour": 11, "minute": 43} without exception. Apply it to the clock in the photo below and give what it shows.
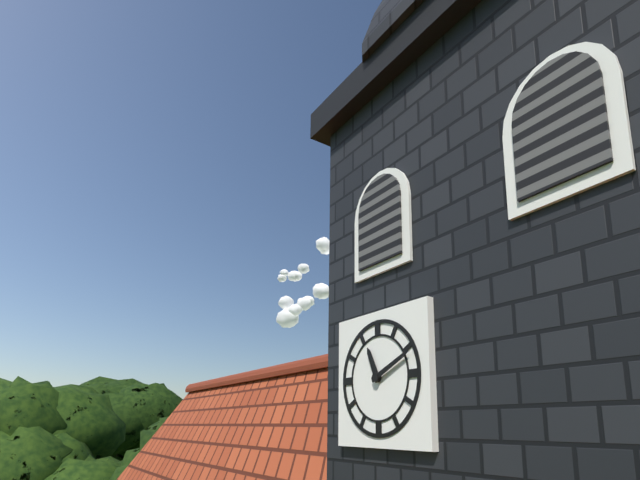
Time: {"hour": 11, "minute": 11}
